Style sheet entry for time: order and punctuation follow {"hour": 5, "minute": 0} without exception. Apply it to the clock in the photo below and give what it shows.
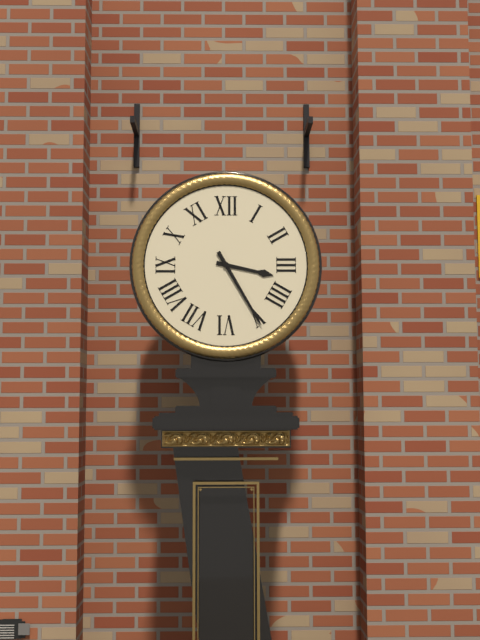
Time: {"hour": 3, "minute": 25}
